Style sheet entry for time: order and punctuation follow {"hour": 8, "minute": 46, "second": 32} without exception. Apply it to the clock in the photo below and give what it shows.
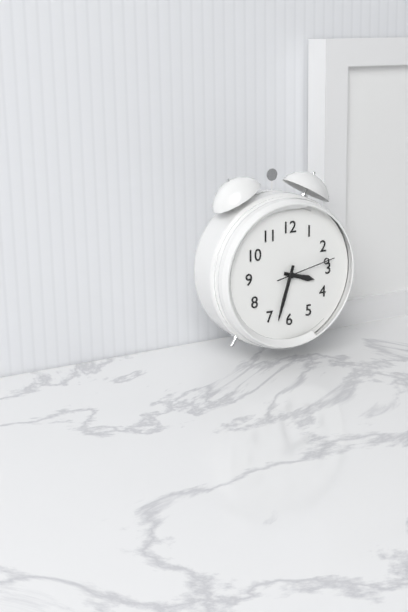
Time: {"hour": 3, "minute": 33, "second": 13}
